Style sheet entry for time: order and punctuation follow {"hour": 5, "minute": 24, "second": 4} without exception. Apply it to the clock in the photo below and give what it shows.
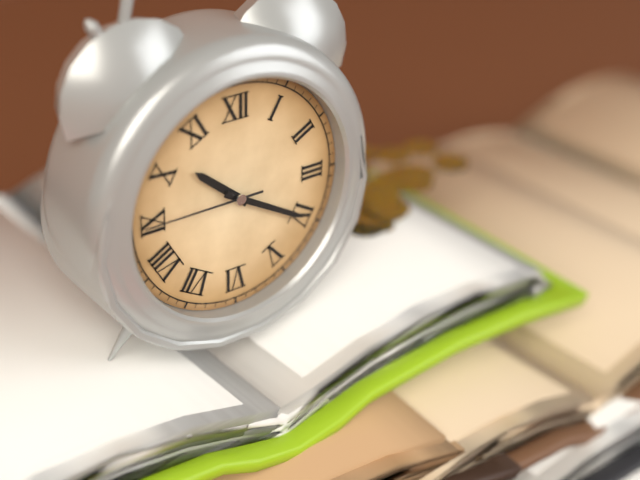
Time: {"hour": 10, "minute": 20, "second": 45}
